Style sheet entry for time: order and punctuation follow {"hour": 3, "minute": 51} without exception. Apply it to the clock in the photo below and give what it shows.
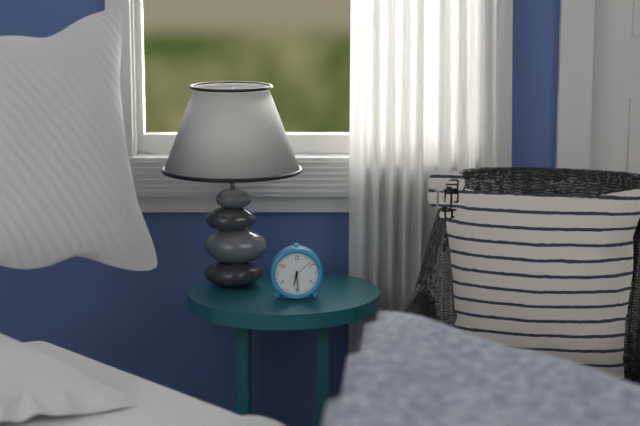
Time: {"hour": 6, "minute": 29}
